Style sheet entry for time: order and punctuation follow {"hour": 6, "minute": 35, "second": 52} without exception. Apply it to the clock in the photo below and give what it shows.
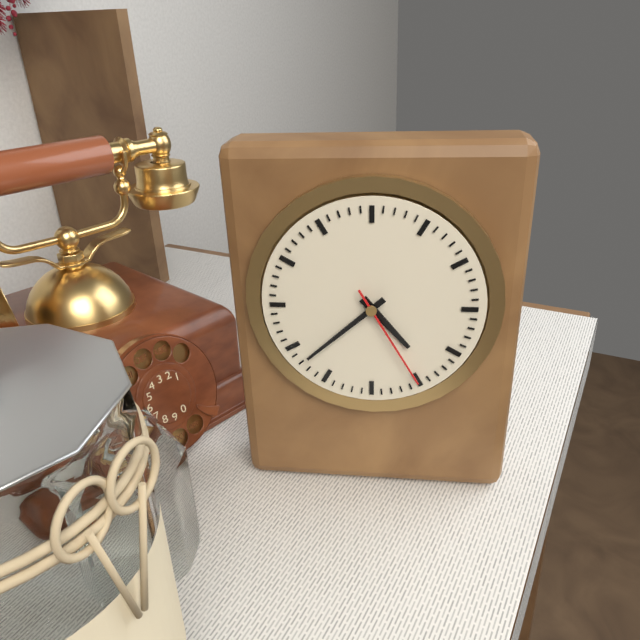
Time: {"hour": 4, "minute": 38, "second": 25}
